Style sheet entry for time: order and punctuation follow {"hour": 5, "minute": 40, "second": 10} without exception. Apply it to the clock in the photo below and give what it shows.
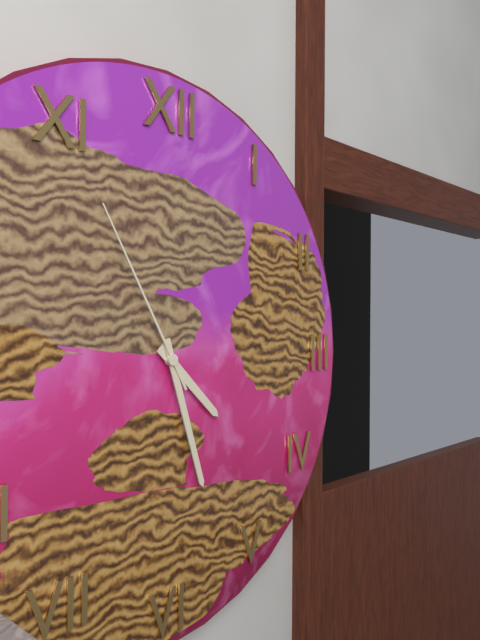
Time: {"hour": 4, "minute": 27, "second": 55}
